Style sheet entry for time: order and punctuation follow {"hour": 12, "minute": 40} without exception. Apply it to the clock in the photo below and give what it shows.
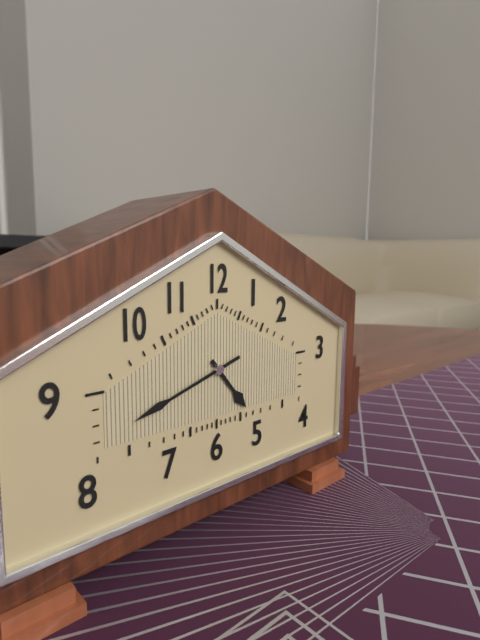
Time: {"hour": 4, "minute": 42}
